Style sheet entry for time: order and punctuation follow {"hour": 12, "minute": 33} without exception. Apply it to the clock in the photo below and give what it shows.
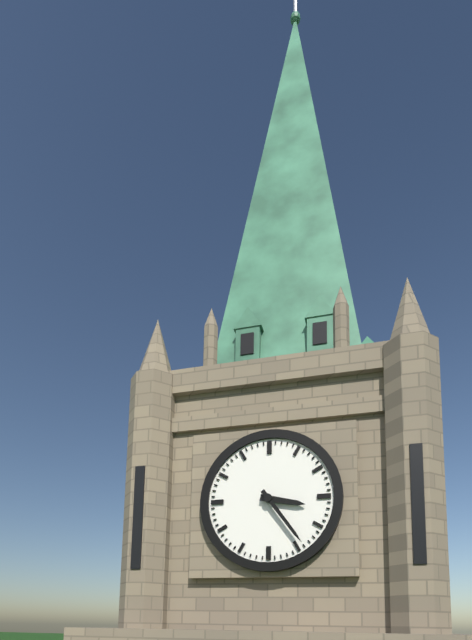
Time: {"hour": 3, "minute": 24}
